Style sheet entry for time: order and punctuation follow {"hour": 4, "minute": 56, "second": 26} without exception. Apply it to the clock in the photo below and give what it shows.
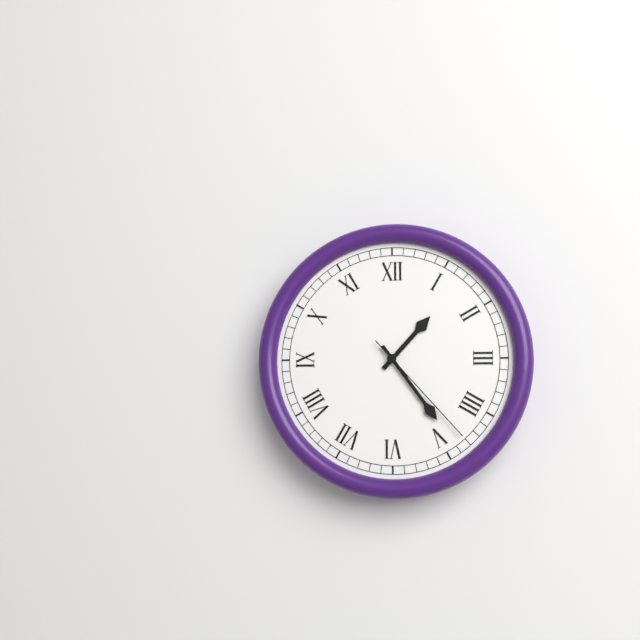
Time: {"hour": 1, "minute": 24, "second": 23}
